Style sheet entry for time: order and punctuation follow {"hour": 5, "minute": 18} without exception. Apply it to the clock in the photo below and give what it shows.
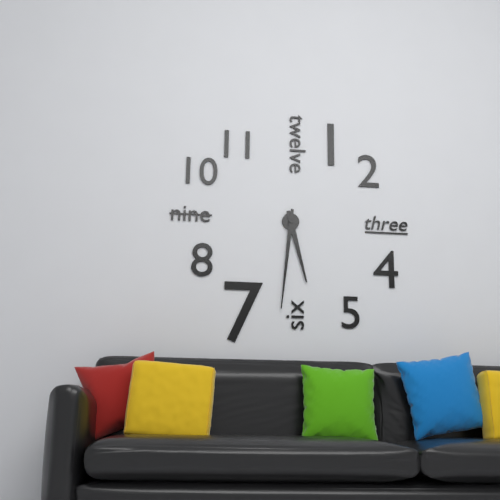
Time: {"hour": 5, "minute": 31}
